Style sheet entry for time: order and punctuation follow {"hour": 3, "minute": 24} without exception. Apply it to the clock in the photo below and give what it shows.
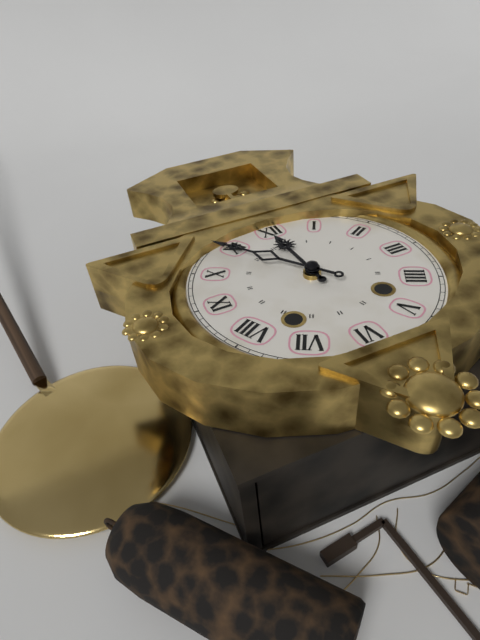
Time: {"hour": 11, "minute": 54}
